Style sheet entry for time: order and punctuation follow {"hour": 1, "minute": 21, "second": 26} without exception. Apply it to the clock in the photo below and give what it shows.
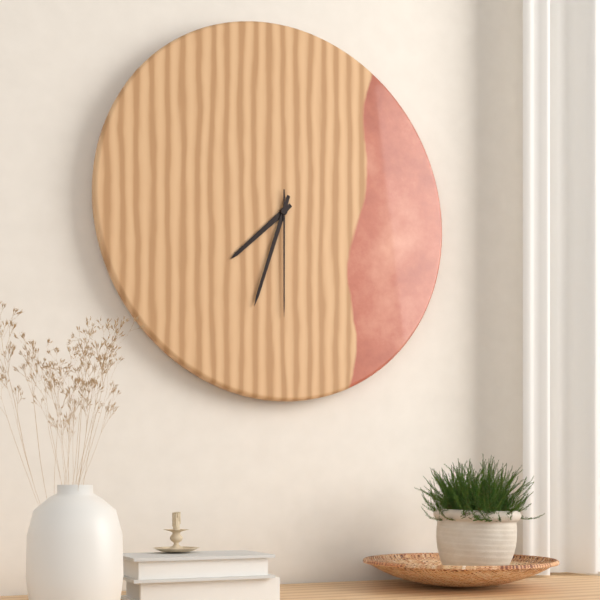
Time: {"hour": 7, "minute": 33, "second": 30}
